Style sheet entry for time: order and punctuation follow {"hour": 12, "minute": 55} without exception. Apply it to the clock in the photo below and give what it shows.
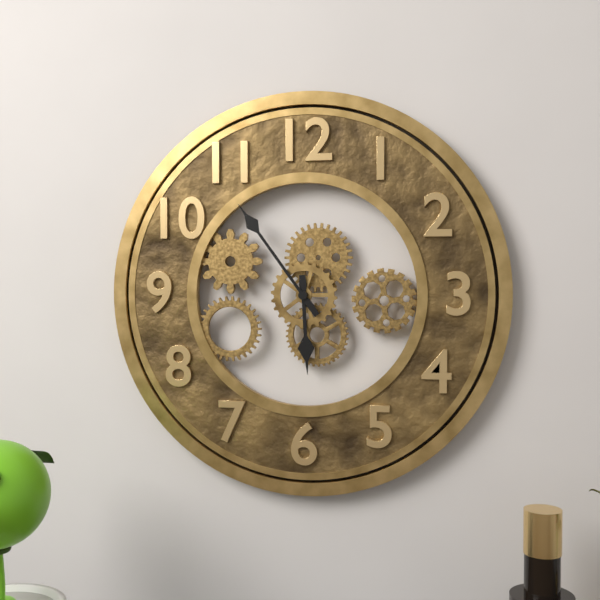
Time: {"hour": 5, "minute": 54}
